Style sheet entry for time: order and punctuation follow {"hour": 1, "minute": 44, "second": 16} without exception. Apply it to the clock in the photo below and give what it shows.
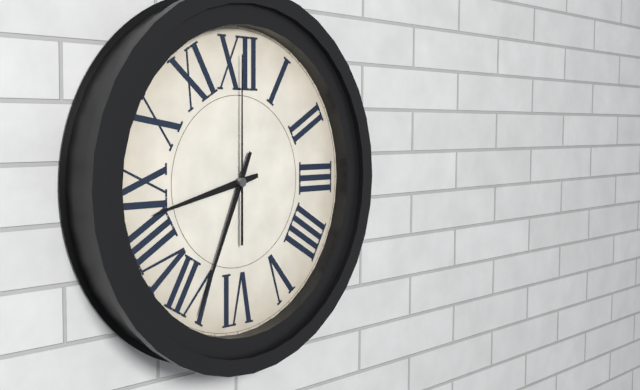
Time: {"hour": 8, "minute": 34, "second": 0}
